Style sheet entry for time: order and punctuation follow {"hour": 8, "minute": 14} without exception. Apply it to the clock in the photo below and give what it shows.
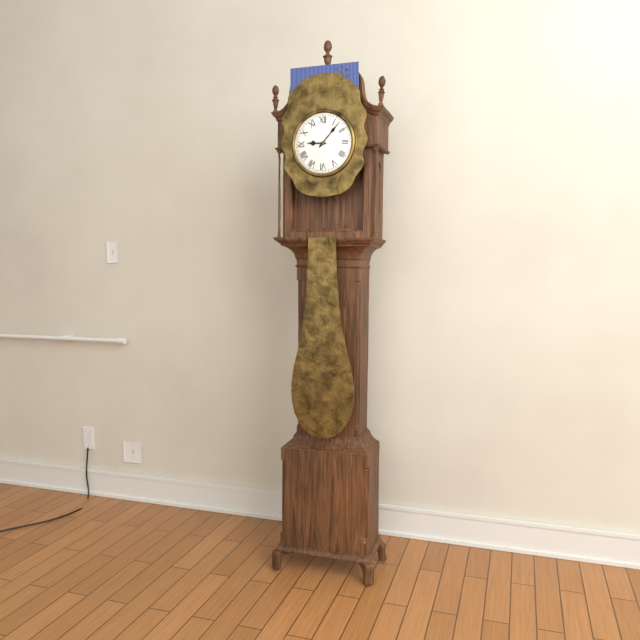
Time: {"hour": 9, "minute": 7}
